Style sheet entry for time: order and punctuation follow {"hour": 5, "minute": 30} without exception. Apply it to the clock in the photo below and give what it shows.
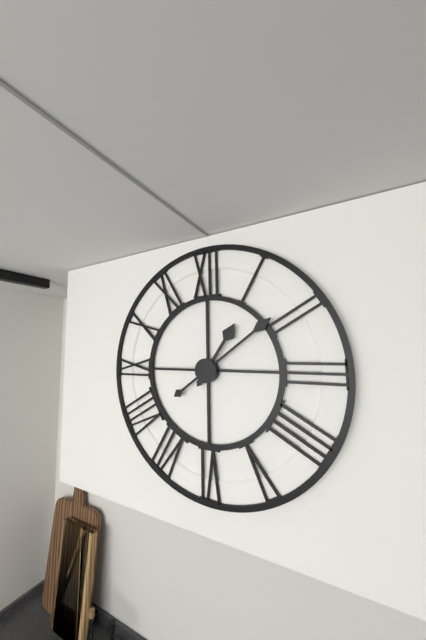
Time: {"hour": 1, "minute": 9}
